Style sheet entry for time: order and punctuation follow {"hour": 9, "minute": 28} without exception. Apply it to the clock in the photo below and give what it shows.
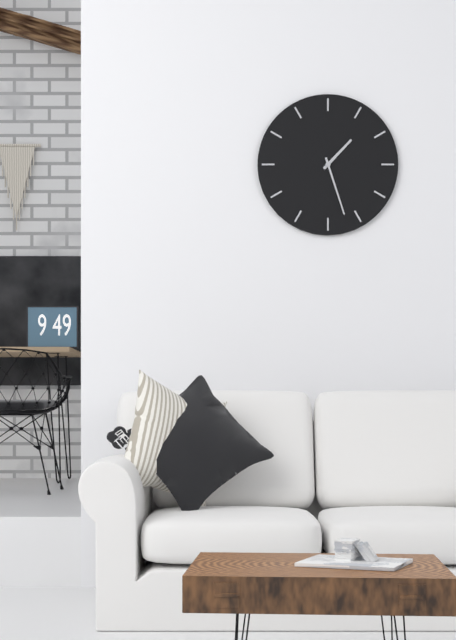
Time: {"hour": 1, "minute": 27}
